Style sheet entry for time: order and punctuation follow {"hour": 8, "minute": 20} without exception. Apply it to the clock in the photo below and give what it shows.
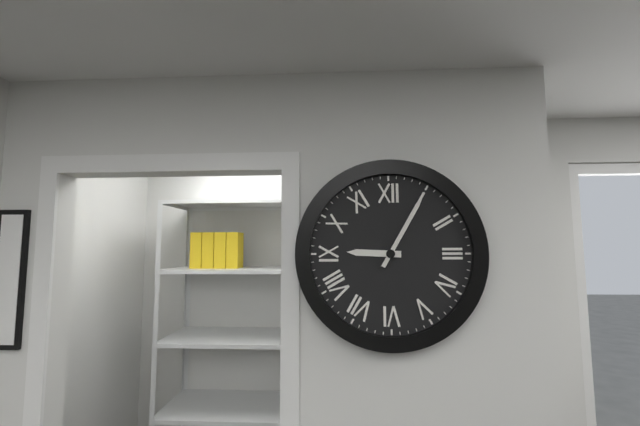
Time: {"hour": 9, "minute": 5}
